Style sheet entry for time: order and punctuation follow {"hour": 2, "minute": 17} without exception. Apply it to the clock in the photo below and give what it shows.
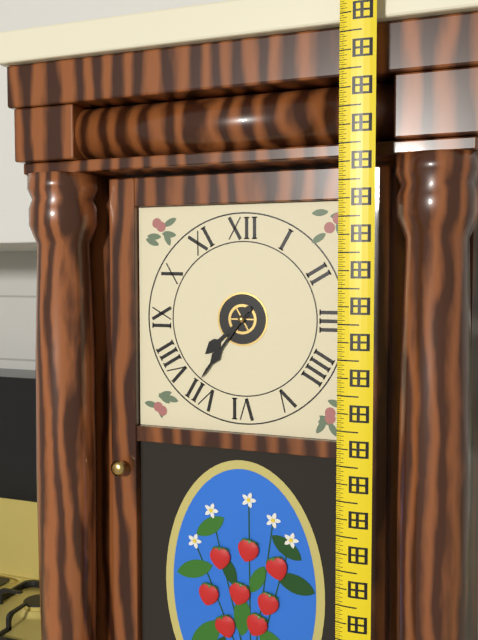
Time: {"hour": 7, "minute": 36}
